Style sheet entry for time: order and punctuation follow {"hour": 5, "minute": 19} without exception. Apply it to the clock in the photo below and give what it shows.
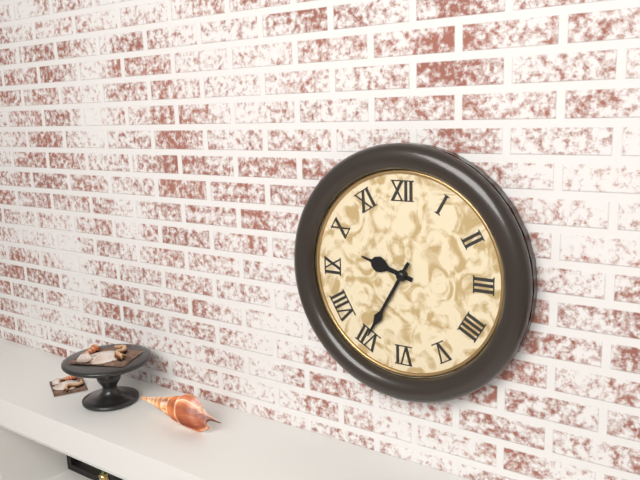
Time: {"hour": 9, "minute": 35}
